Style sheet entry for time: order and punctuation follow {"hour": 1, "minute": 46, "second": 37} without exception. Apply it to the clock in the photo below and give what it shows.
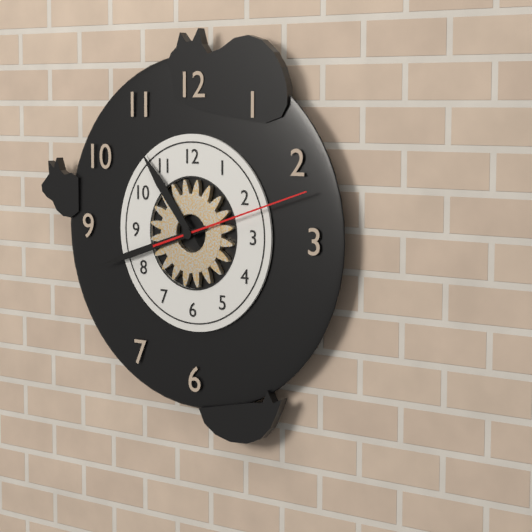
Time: {"hour": 10, "minute": 42, "second": 12}
